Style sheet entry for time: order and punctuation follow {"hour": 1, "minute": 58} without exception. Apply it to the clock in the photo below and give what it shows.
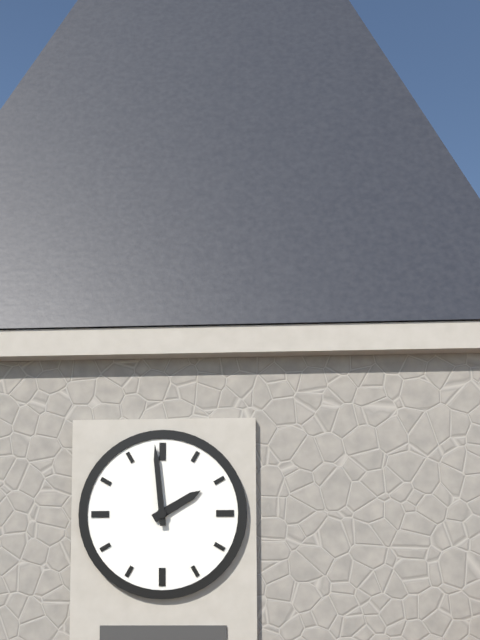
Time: {"hour": 1, "minute": 59}
